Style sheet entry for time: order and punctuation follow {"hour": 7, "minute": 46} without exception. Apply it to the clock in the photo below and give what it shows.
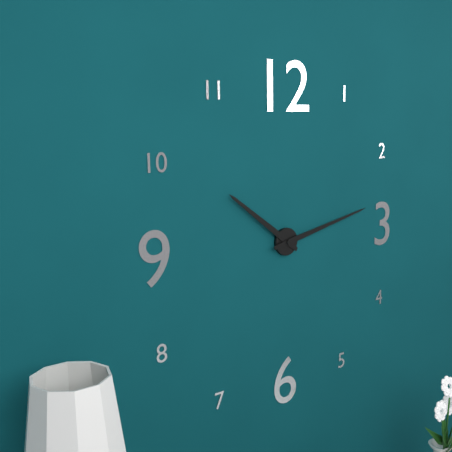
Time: {"hour": 10, "minute": 13}
